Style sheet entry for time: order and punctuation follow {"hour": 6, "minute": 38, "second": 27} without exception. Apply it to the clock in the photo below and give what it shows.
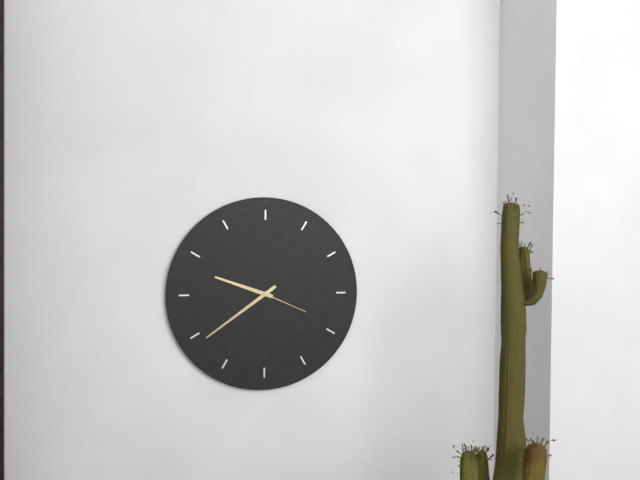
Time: {"hour": 9, "minute": 39, "second": 19}
